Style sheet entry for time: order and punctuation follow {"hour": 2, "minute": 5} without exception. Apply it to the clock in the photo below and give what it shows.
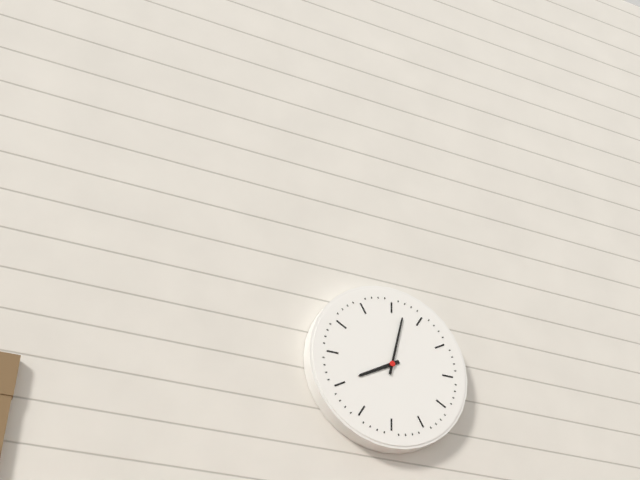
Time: {"hour": 8, "minute": 2}
